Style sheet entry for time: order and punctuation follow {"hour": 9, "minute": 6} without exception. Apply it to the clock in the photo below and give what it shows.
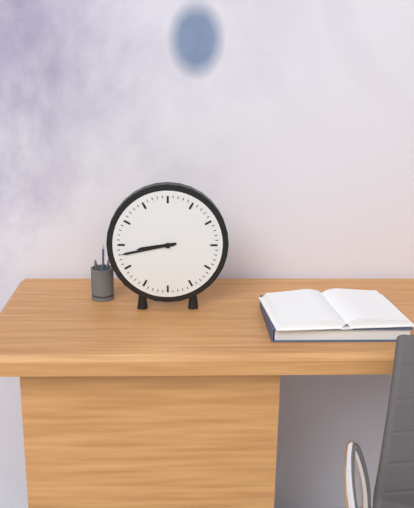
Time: {"hour": 8, "minute": 43}
